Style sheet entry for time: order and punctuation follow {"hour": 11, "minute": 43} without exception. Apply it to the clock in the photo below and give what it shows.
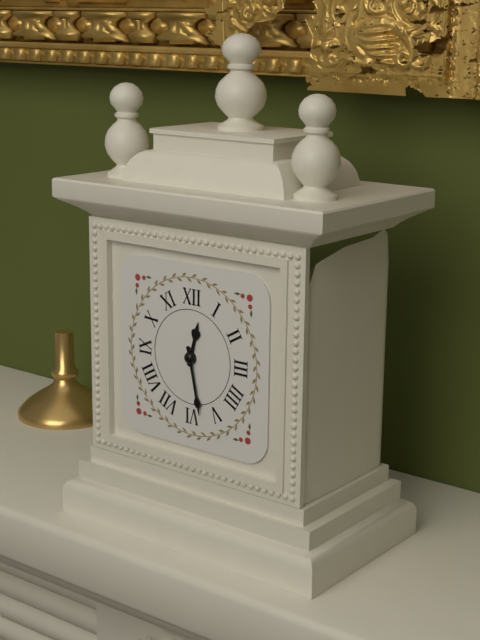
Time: {"hour": 12, "minute": 28}
